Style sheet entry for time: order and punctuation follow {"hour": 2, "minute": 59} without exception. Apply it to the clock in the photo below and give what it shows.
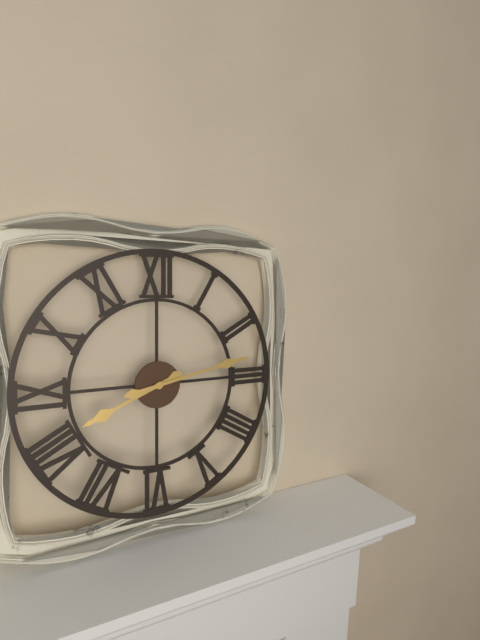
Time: {"hour": 8, "minute": 13}
